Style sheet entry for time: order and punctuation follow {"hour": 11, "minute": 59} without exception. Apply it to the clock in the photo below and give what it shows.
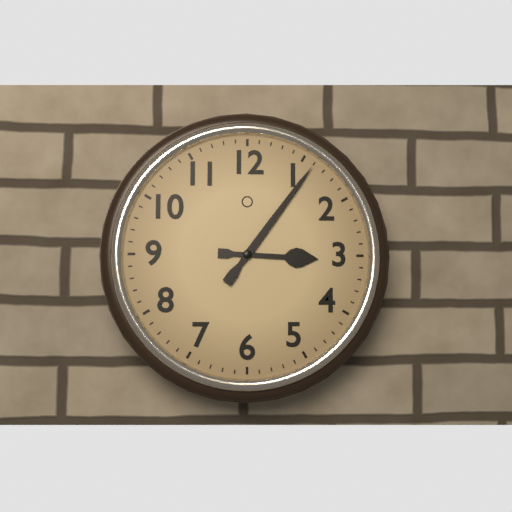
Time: {"hour": 3, "minute": 6}
